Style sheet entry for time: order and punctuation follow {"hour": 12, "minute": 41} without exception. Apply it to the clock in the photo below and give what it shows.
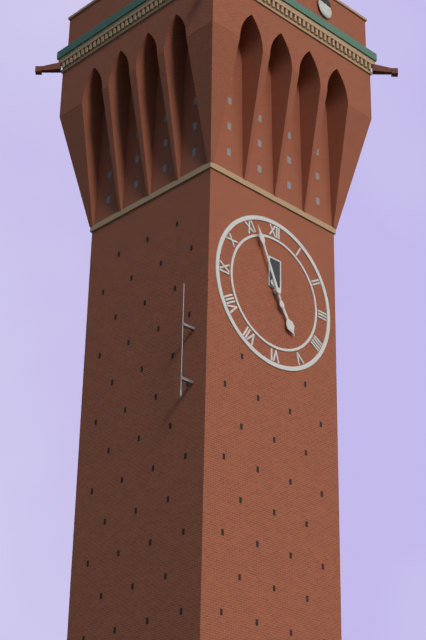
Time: {"hour": 4, "minute": 56}
